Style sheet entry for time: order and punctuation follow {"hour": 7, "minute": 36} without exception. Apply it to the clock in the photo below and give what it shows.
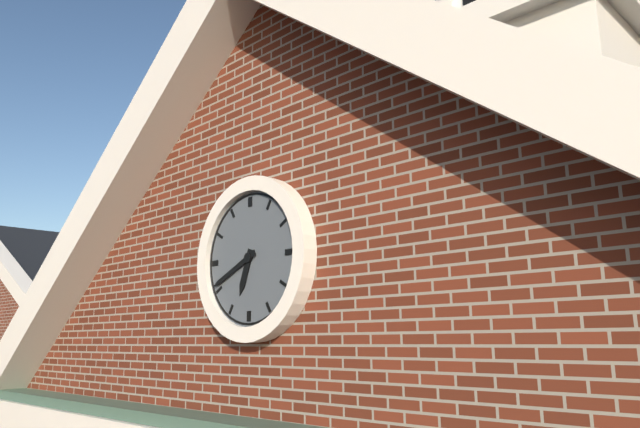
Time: {"hour": 6, "minute": 41}
